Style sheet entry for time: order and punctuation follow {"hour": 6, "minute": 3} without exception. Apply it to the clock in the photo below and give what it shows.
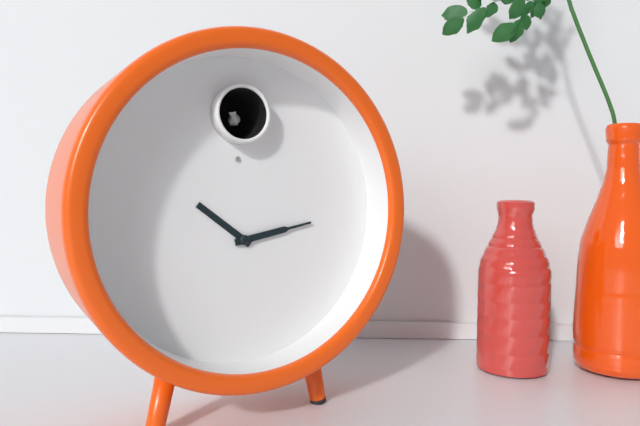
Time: {"hour": 10, "minute": 13}
